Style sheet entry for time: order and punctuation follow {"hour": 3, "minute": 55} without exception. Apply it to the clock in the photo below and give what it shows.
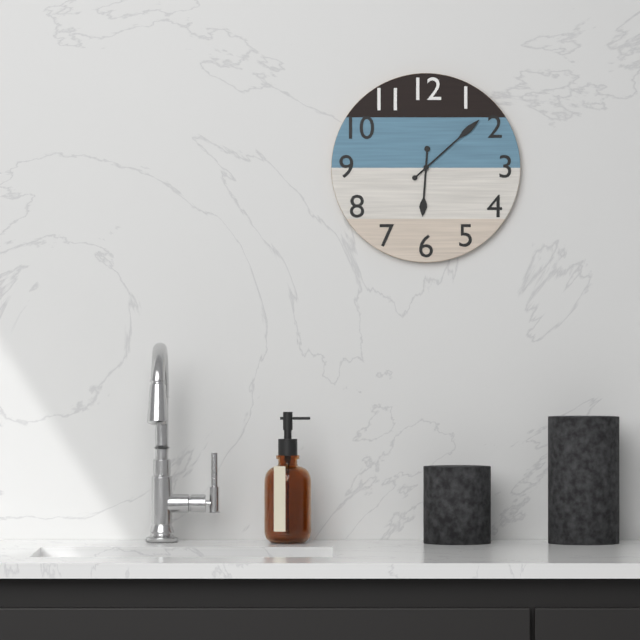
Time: {"hour": 6, "minute": 8}
